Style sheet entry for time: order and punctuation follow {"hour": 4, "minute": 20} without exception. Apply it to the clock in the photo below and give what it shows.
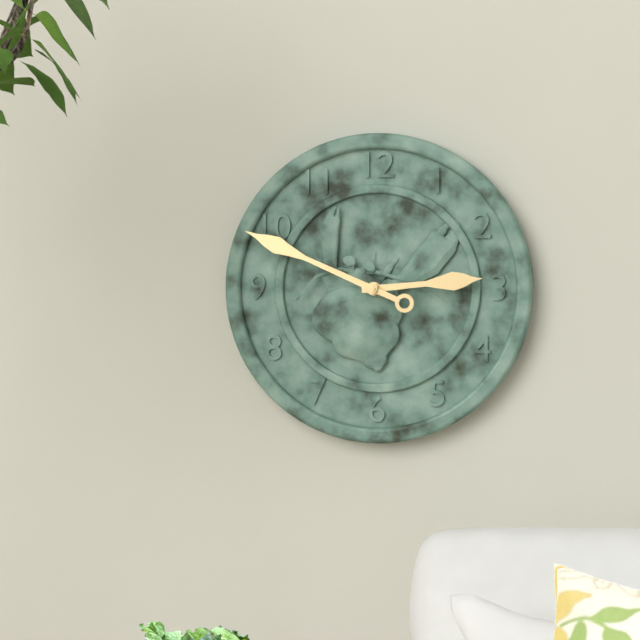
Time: {"hour": 2, "minute": 49}
